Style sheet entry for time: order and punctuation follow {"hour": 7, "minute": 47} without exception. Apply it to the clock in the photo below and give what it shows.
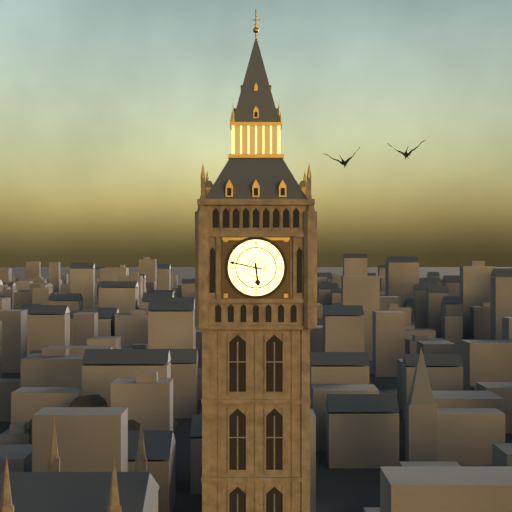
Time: {"hour": 5, "minute": 47}
